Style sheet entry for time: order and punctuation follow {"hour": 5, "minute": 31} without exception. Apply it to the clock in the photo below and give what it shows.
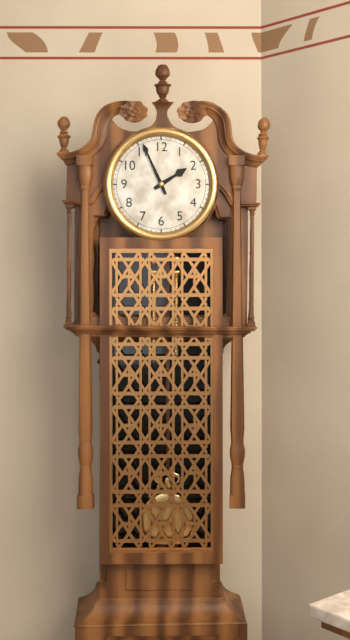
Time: {"hour": 1, "minute": 56}
